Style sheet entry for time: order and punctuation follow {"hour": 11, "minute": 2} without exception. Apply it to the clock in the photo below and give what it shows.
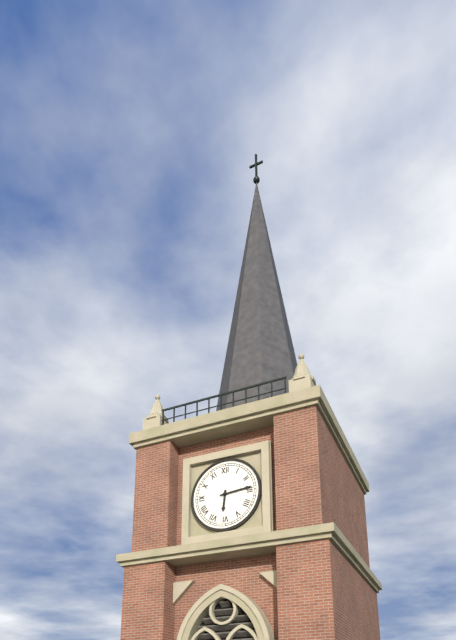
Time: {"hour": 6, "minute": 14}
